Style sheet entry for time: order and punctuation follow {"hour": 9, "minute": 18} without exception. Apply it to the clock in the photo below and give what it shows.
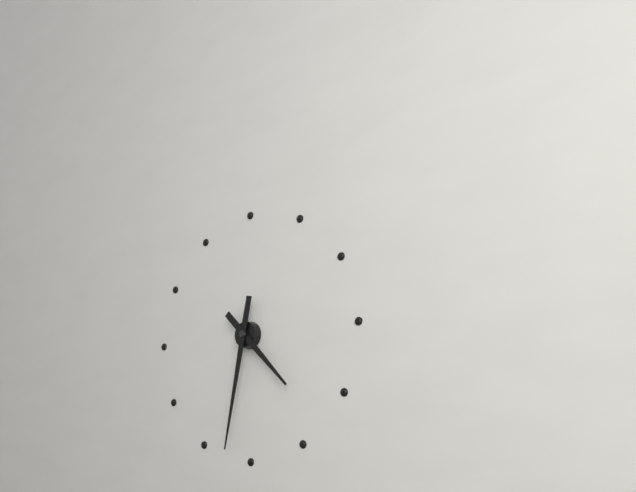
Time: {"hour": 4, "minute": 32}
